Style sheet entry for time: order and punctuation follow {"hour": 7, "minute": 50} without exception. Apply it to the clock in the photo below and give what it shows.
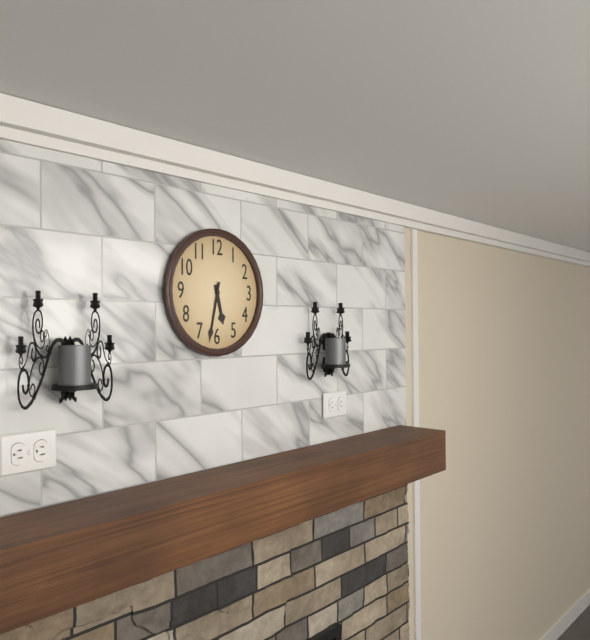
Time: {"hour": 5, "minute": 32}
